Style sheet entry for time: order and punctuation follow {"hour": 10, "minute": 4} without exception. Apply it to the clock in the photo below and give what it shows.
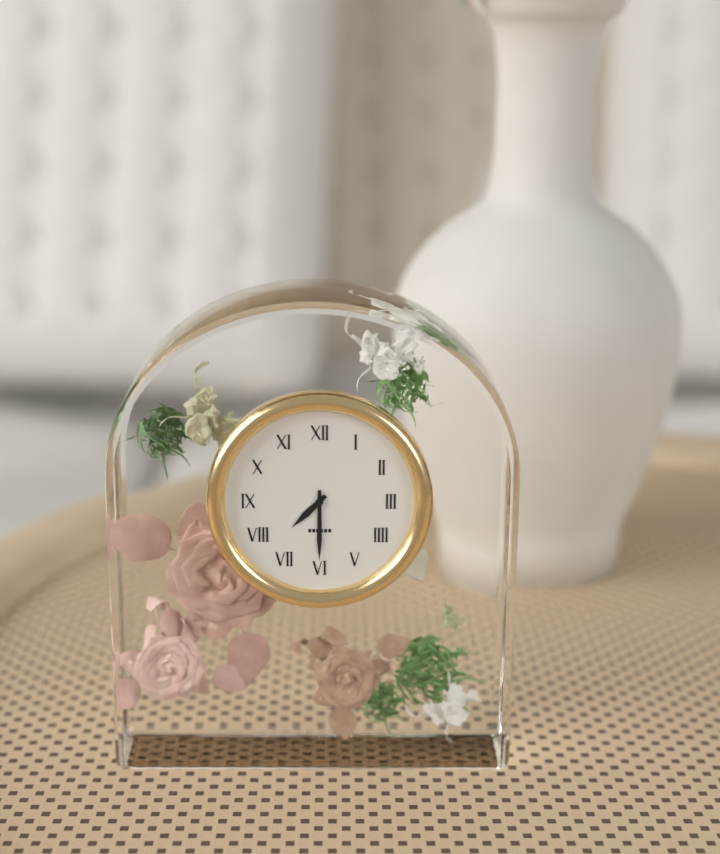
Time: {"hour": 7, "minute": 30}
